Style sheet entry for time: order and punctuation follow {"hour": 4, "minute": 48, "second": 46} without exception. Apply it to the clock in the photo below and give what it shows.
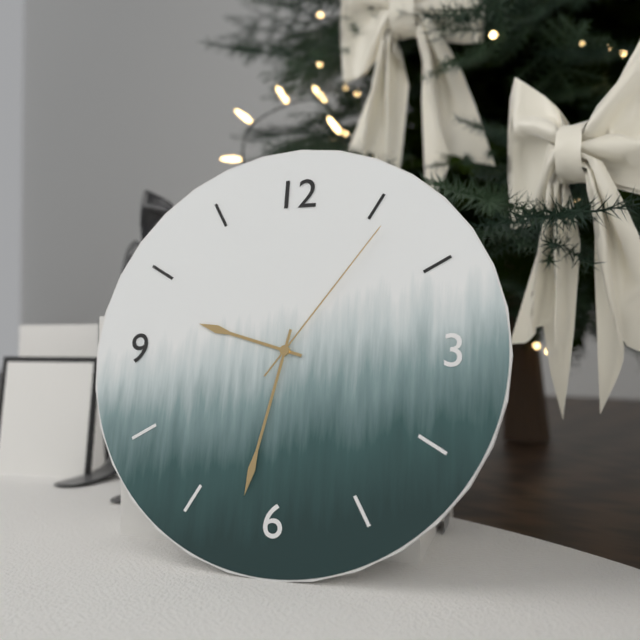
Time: {"hour": 9, "minute": 32, "second": 6}
